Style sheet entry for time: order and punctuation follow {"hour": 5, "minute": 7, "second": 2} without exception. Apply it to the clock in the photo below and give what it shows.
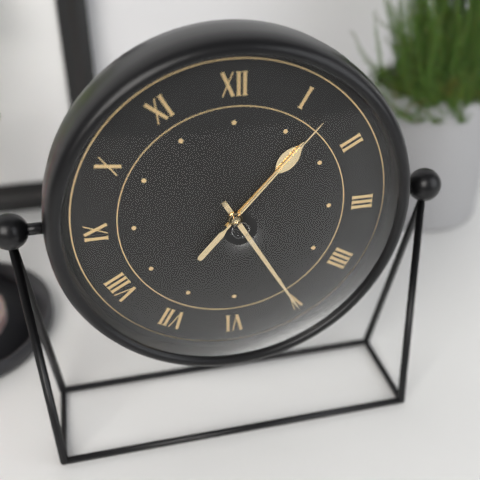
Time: {"hour": 1, "minute": 25, "second": 7}
